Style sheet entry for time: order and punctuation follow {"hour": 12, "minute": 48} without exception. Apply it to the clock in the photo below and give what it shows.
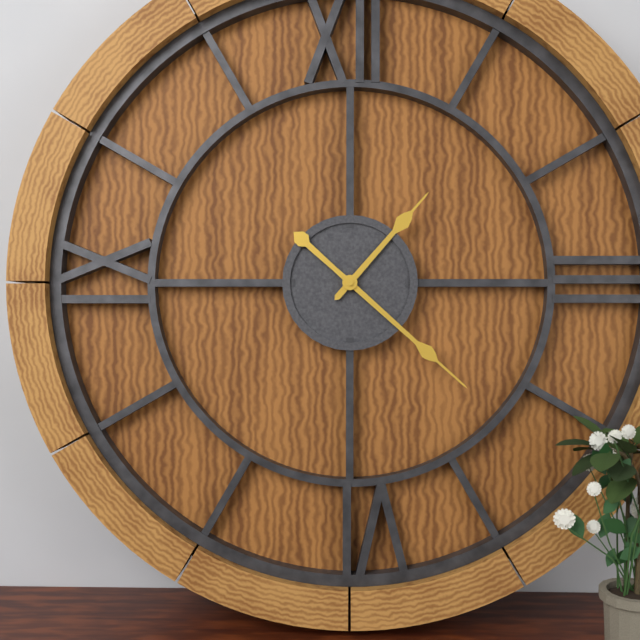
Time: {"hour": 1, "minute": 22}
